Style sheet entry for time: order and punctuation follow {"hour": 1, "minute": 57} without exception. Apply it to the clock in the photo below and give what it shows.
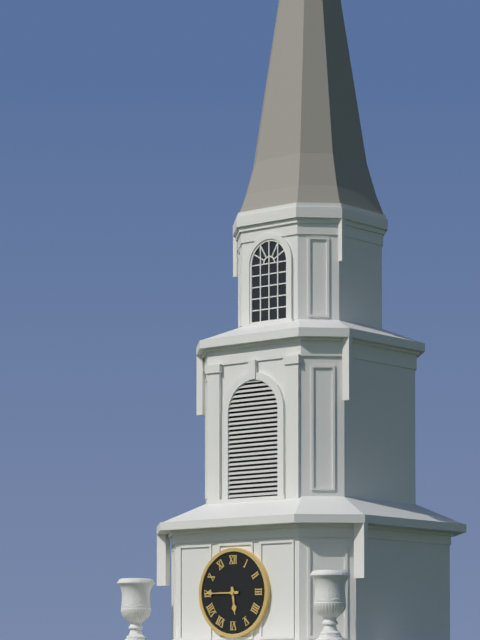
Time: {"hour": 5, "minute": 45}
